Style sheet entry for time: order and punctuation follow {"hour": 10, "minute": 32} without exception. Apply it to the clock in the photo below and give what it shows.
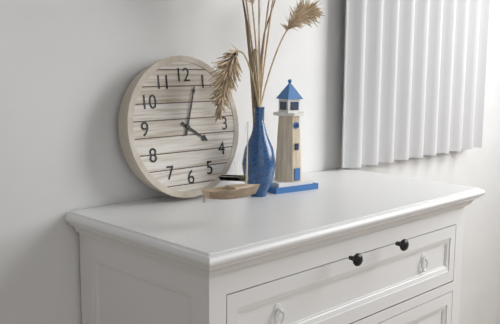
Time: {"hour": 4, "minute": 3}
